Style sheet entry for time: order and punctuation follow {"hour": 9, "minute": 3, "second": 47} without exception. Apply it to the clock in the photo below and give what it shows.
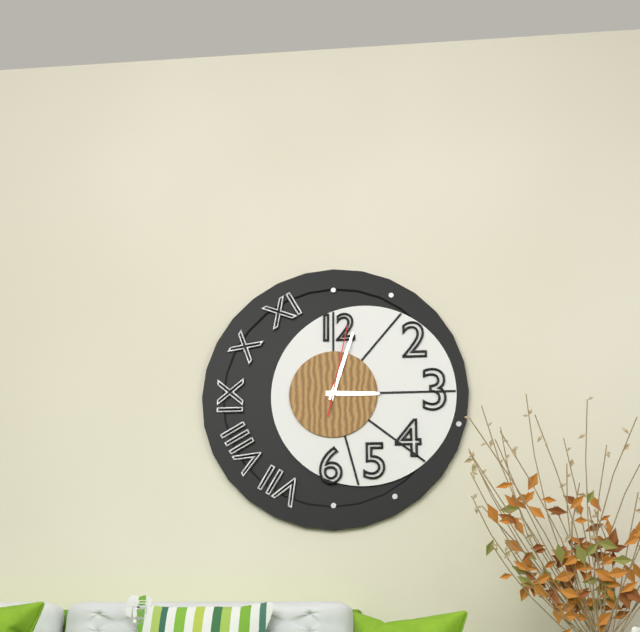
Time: {"hour": 3, "minute": 3, "second": 2}
